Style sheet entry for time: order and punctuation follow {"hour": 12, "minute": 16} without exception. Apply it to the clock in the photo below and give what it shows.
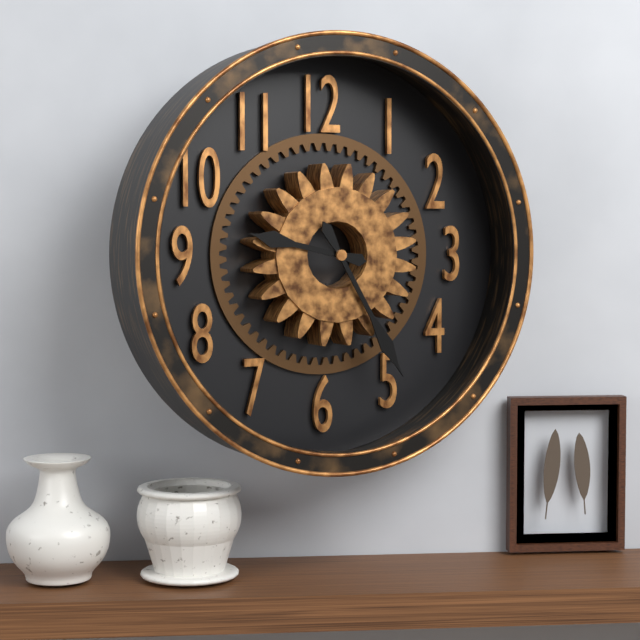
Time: {"hour": 9, "minute": 25}
